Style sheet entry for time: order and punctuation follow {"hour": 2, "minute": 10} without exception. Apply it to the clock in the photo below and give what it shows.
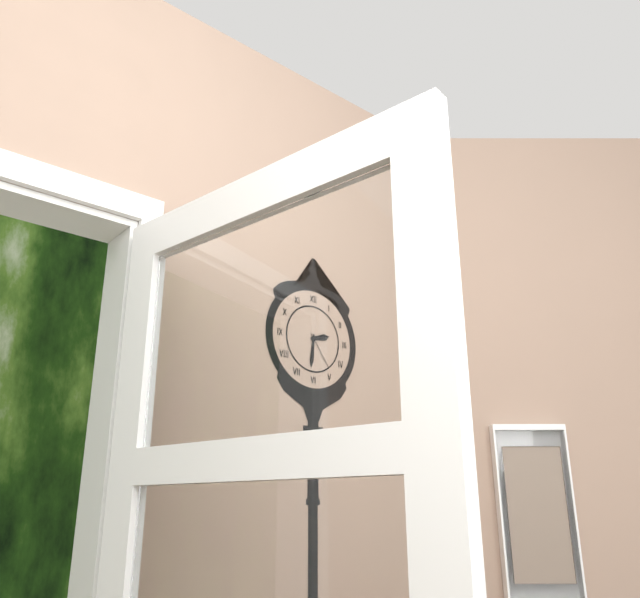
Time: {"hour": 2, "minute": 31}
